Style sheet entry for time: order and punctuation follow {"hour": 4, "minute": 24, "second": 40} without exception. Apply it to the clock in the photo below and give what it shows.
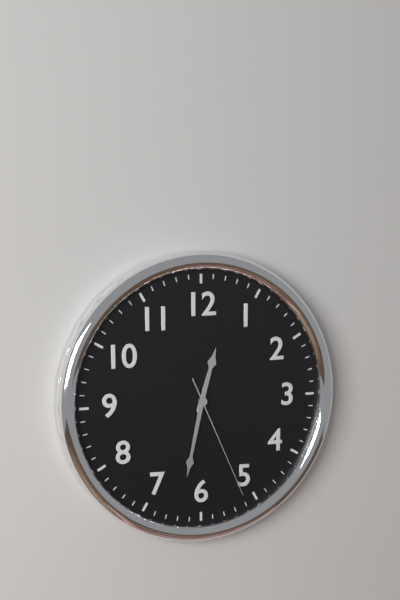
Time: {"hour": 12, "minute": 32, "second": 26}
